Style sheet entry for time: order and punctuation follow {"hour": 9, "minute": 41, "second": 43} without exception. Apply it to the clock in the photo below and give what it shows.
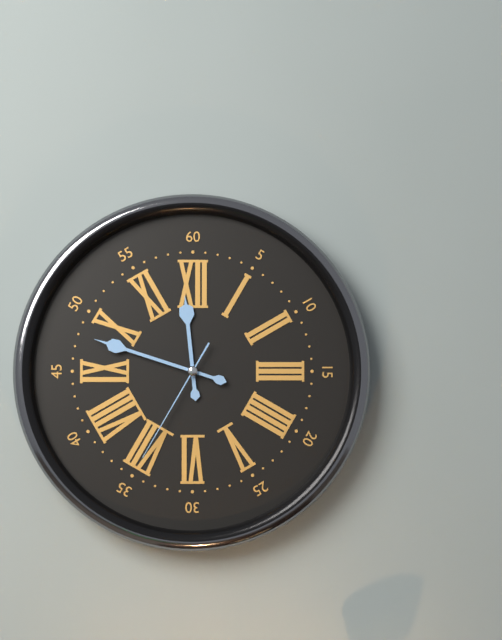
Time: {"hour": 11, "minute": 48, "second": 35}
